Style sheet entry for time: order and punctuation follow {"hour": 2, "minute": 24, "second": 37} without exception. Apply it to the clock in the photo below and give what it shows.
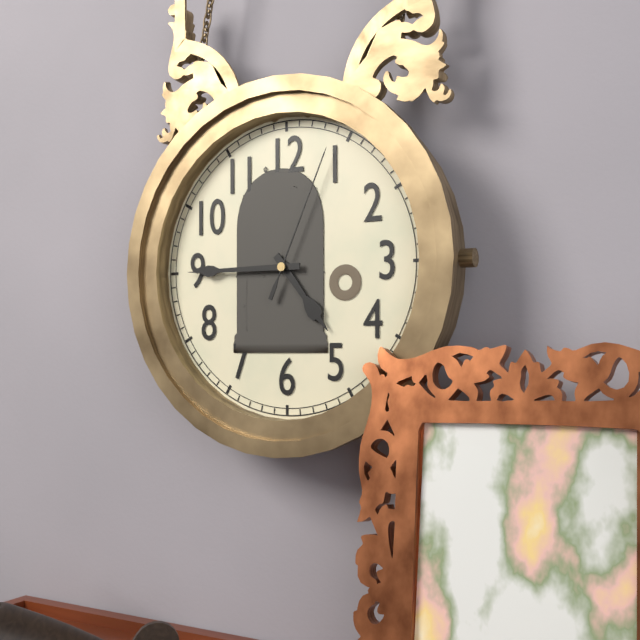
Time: {"hour": 4, "minute": 45, "second": 4}
